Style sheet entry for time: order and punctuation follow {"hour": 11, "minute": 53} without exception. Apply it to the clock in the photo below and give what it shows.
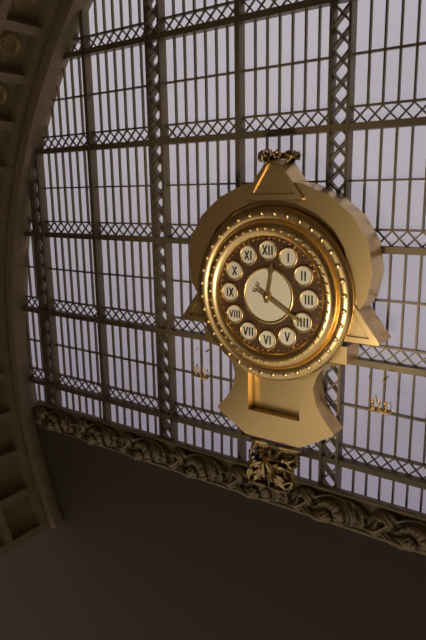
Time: {"hour": 12, "minute": 20}
